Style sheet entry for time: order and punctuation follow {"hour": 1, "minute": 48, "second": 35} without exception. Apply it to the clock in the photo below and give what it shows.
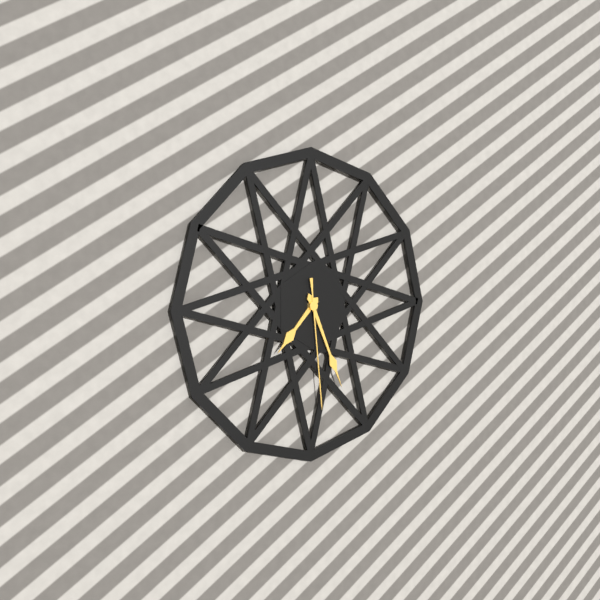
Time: {"hour": 7, "minute": 26, "second": 29}
